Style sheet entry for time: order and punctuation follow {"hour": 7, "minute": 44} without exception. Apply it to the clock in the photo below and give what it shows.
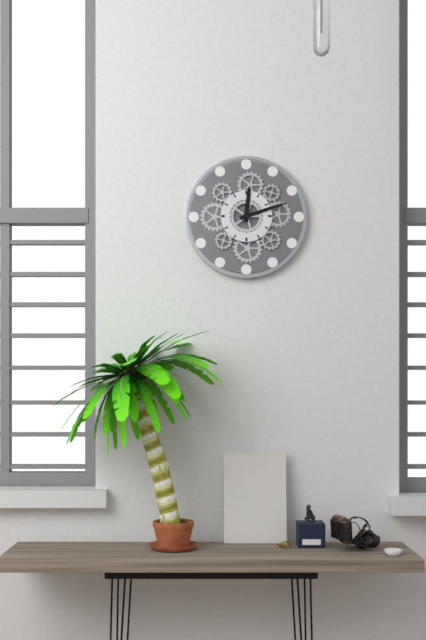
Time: {"hour": 12, "minute": 12}
